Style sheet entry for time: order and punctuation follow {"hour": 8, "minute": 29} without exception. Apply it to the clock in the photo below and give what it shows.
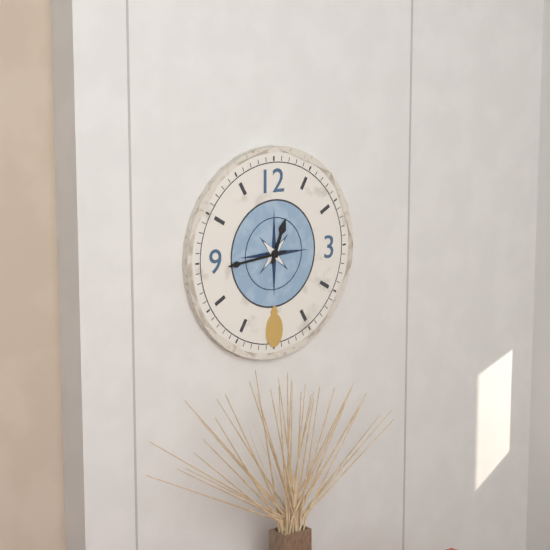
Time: {"hour": 12, "minute": 44}
